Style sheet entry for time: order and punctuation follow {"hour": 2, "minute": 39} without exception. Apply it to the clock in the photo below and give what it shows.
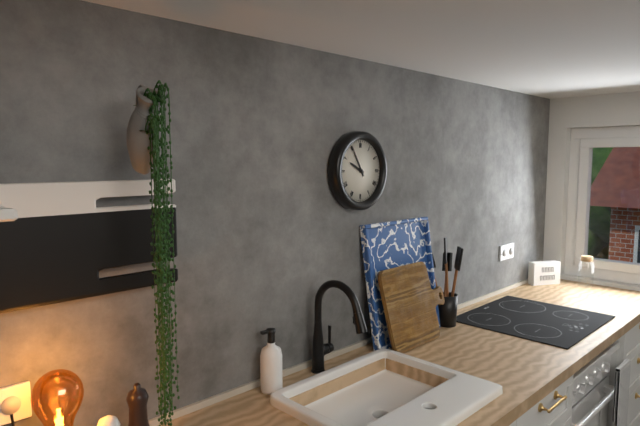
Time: {"hour": 9, "minute": 55}
